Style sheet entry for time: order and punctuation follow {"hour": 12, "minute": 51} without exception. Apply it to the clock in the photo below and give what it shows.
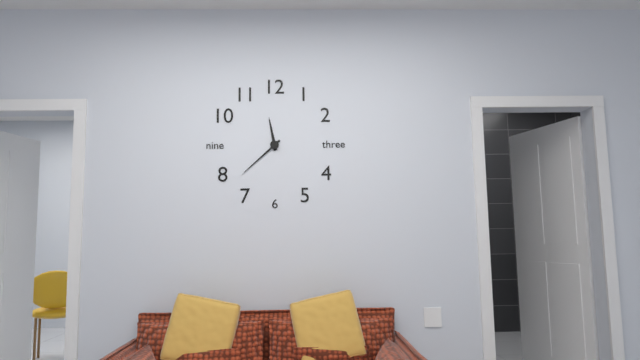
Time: {"hour": 11, "minute": 38}
